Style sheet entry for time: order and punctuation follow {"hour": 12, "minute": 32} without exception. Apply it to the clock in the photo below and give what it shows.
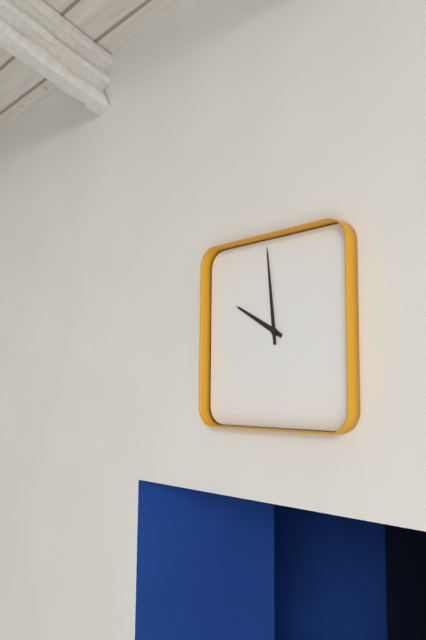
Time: {"hour": 9, "minute": 59}
